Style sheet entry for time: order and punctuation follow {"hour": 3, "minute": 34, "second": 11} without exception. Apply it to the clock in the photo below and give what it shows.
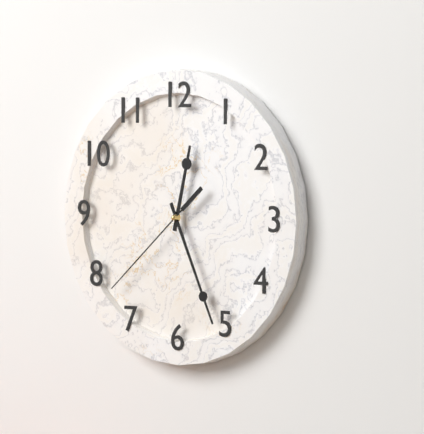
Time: {"hour": 12, "minute": 26, "second": 38}
